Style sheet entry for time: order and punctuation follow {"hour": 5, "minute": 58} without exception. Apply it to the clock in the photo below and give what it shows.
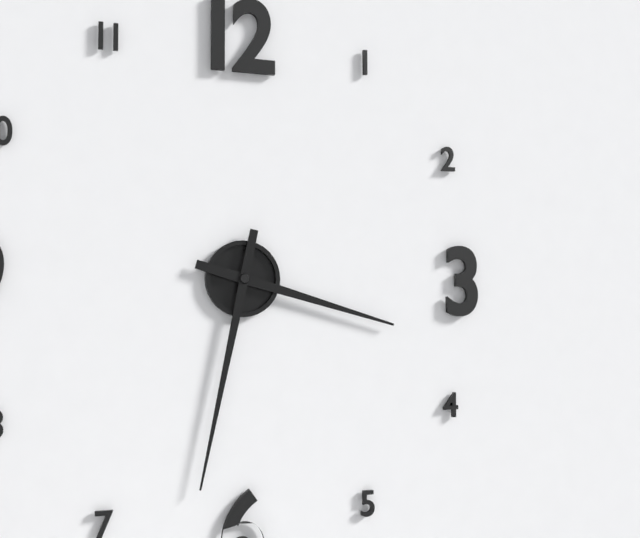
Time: {"hour": 3, "minute": 32}
